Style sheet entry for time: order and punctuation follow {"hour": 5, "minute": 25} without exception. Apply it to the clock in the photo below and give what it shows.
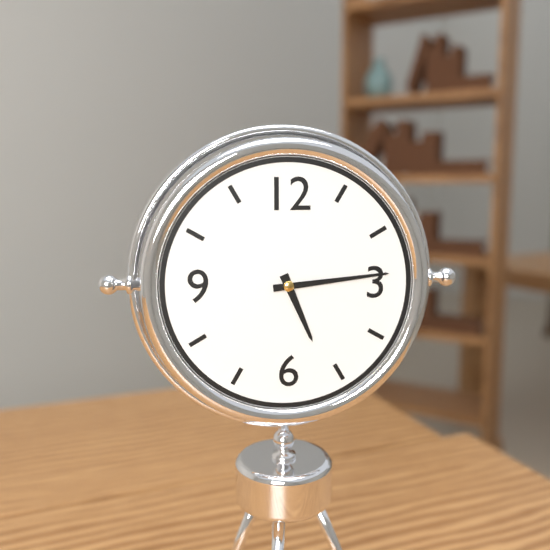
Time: {"hour": 5, "minute": 14}
